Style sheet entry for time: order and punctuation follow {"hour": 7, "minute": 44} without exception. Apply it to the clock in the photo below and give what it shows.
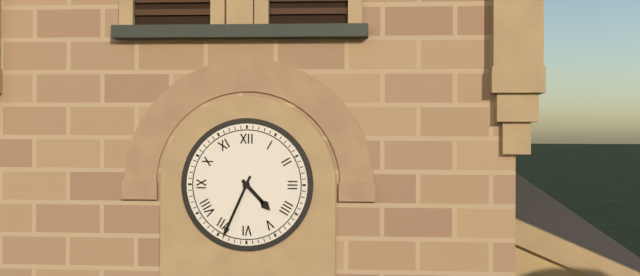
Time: {"hour": 4, "minute": 34}
